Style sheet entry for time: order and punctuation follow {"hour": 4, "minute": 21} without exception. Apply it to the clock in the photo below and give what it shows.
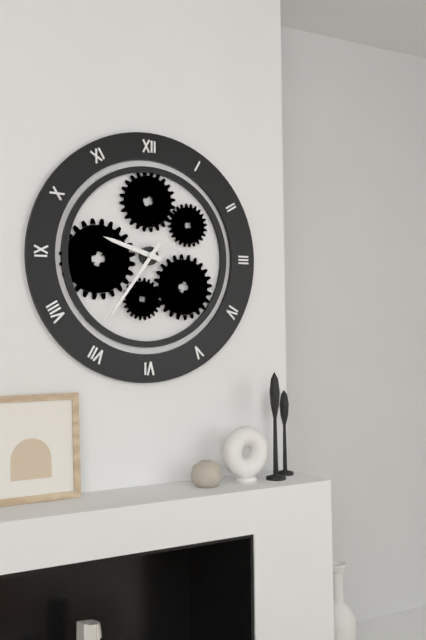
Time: {"hour": 9, "minute": 36}
